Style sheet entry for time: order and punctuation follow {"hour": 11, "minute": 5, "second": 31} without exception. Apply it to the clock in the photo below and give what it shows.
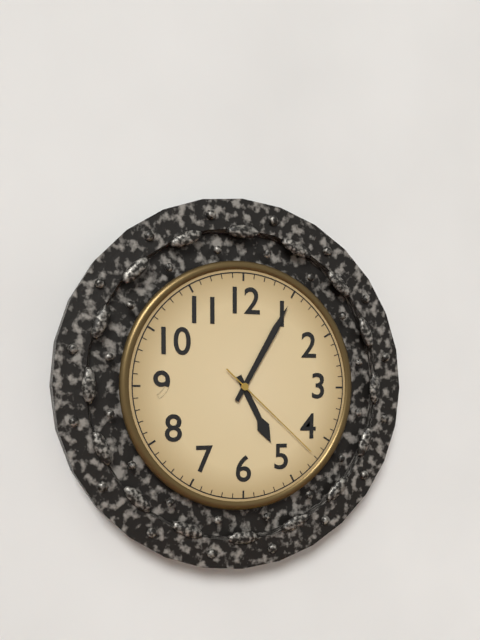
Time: {"hour": 5, "minute": 5, "second": 22}
